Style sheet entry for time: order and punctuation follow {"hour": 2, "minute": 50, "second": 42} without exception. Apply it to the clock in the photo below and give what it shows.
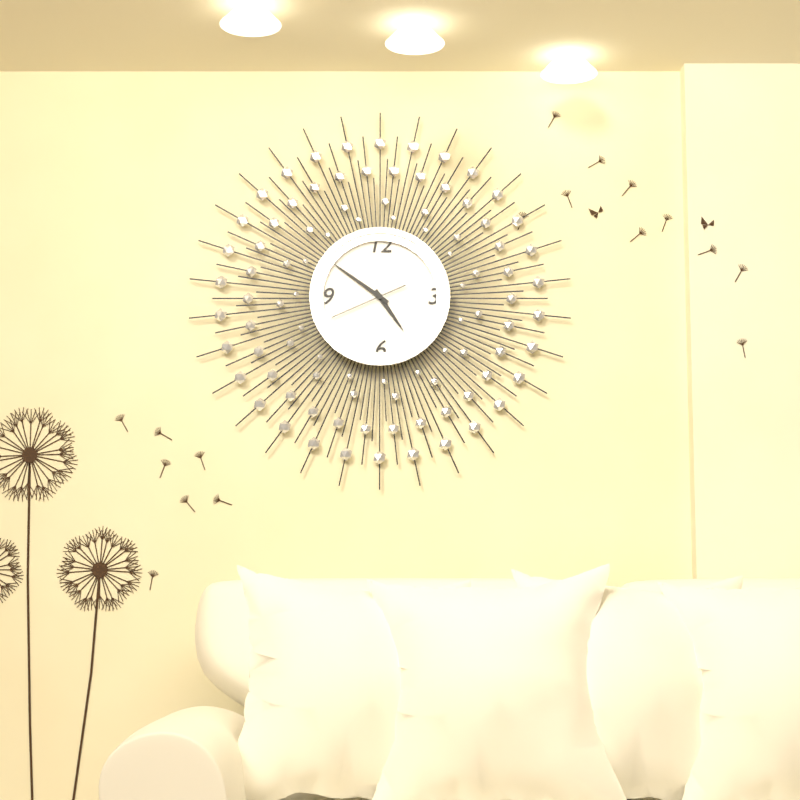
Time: {"hour": 4, "minute": 51, "second": 41}
